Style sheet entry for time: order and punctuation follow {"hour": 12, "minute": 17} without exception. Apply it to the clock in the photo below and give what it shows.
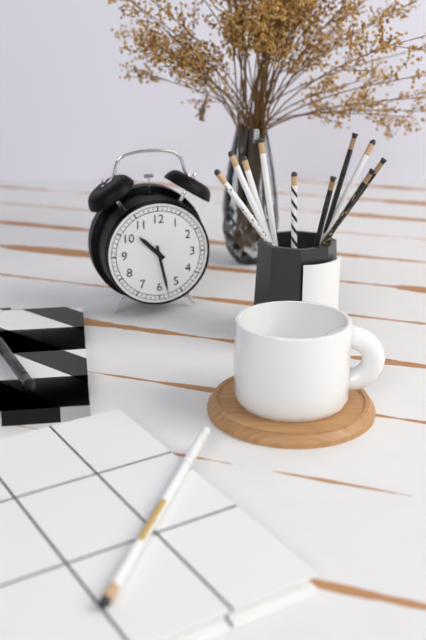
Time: {"hour": 10, "minute": 28}
